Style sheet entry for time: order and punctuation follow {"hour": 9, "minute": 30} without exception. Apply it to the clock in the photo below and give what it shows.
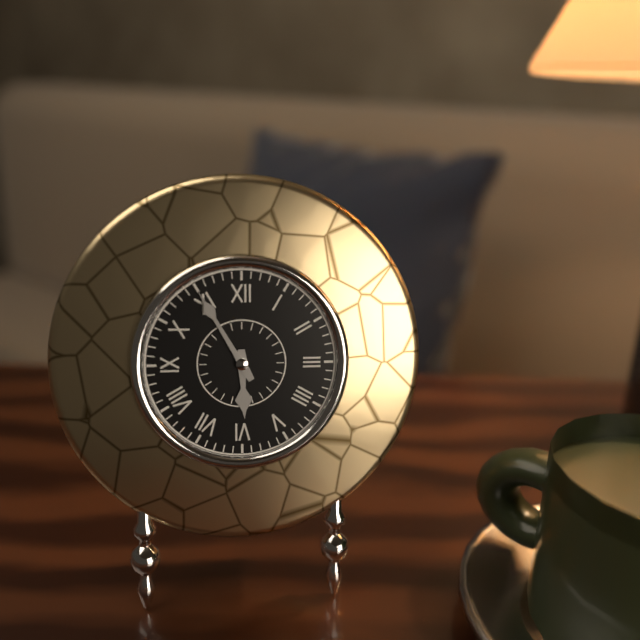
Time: {"hour": 5, "minute": 55}
